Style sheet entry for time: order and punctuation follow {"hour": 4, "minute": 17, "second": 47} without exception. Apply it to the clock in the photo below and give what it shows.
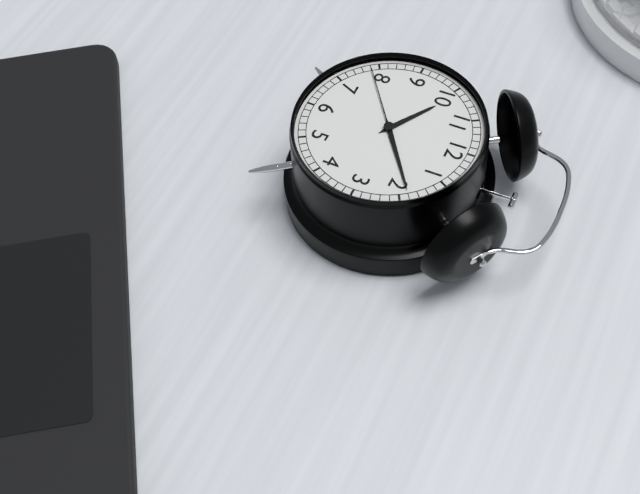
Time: {"hour": 10, "minute": 9, "second": 39}
